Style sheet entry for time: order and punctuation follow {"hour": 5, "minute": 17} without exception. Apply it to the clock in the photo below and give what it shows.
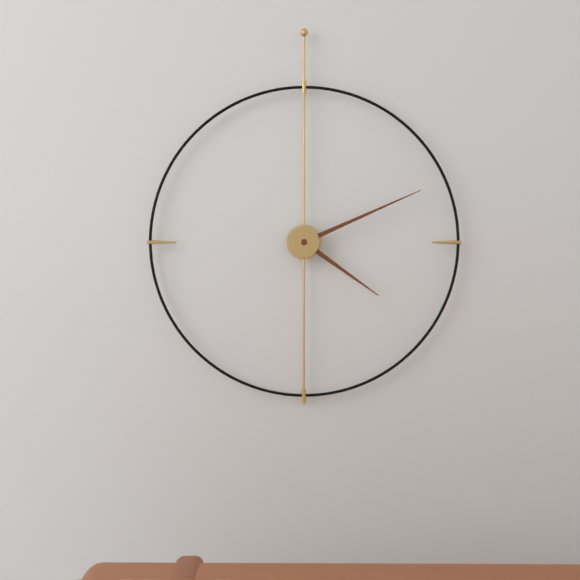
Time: {"hour": 4, "minute": 11}
